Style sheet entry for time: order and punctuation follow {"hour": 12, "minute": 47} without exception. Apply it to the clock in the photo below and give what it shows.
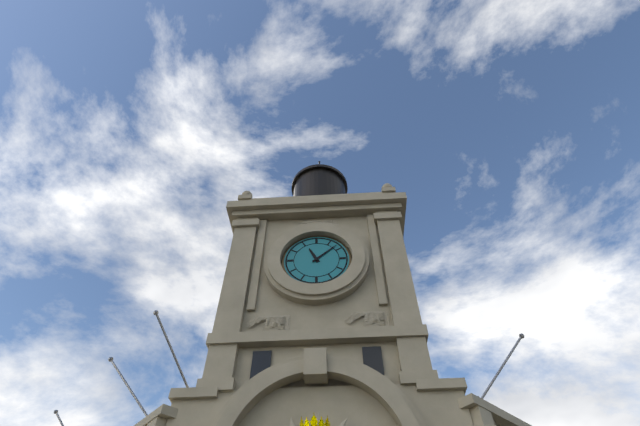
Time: {"hour": 11, "minute": 8}
